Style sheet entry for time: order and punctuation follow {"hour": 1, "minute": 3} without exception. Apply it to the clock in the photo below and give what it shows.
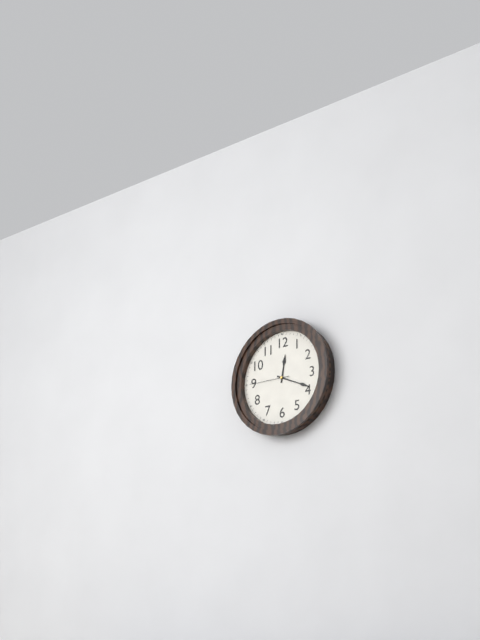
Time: {"hour": 12, "minute": 19}
